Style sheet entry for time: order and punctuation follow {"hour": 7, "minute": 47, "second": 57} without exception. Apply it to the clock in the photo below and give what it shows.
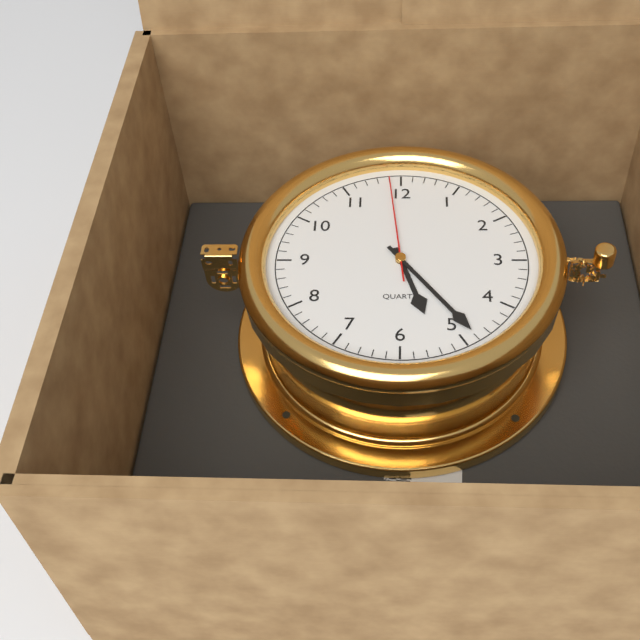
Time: {"hour": 5, "minute": 24, "second": 59}
